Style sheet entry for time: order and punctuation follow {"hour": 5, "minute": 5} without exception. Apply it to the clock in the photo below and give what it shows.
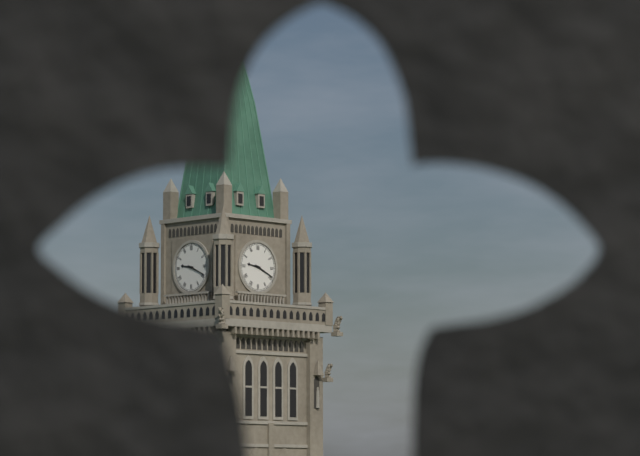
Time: {"hour": 9, "minute": 19}
